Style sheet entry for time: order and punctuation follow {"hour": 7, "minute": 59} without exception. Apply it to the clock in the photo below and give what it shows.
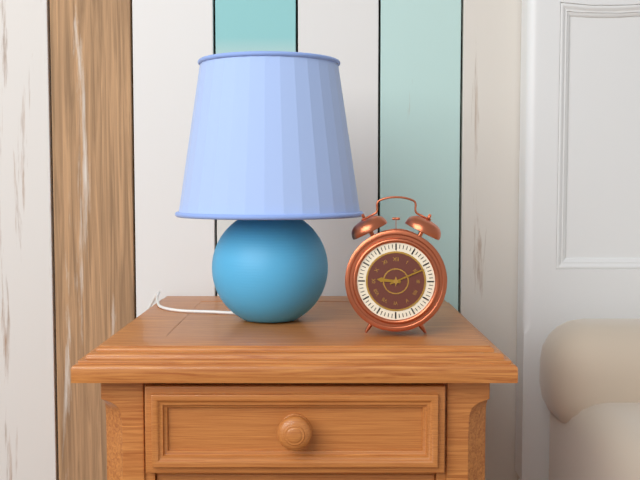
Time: {"hour": 9, "minute": 11}
